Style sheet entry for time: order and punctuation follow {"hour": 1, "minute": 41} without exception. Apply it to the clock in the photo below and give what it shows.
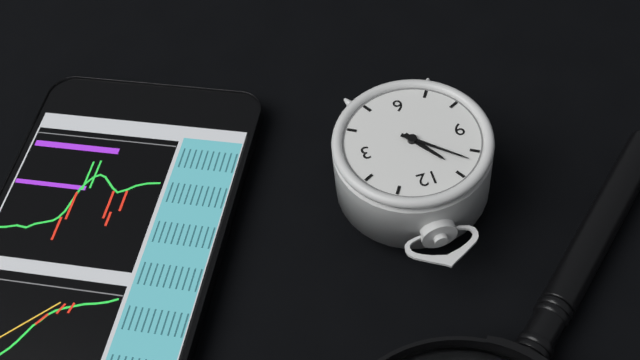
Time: {"hour": 10, "minute": 52}
